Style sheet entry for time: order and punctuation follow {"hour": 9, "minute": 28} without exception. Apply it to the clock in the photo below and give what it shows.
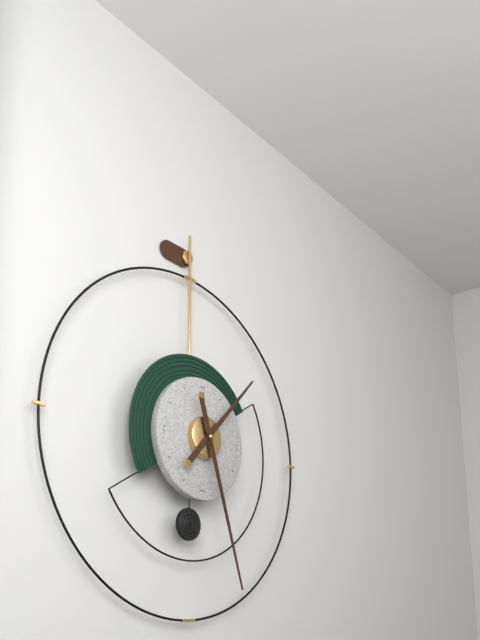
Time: {"hour": 1, "minute": 27}
